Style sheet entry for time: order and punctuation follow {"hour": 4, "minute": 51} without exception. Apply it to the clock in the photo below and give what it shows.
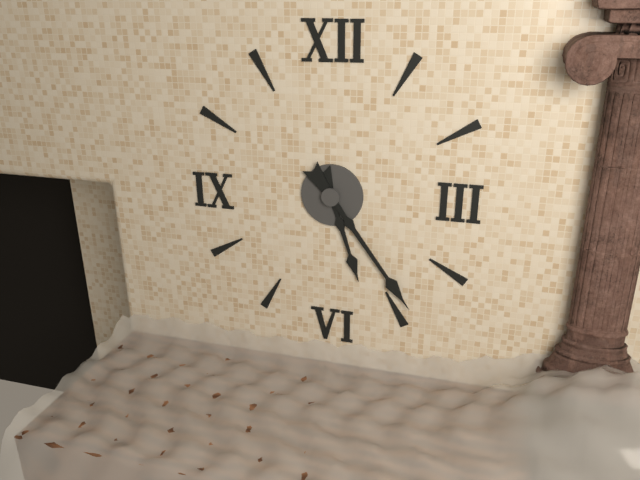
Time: {"hour": 5, "minute": 24}
